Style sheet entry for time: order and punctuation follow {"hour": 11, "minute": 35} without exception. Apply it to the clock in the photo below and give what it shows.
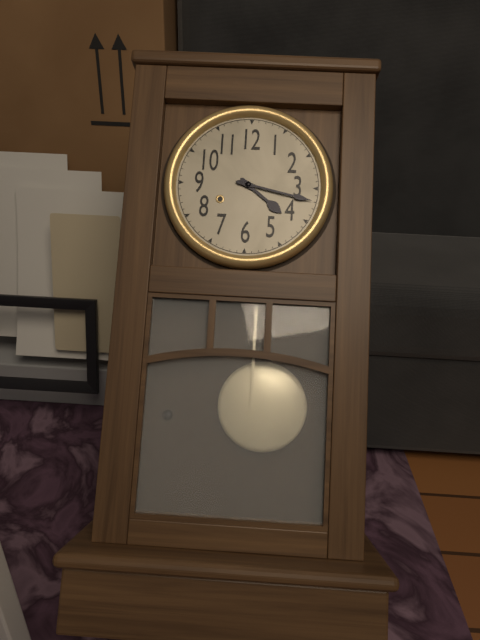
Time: {"hour": 4, "minute": 17}
